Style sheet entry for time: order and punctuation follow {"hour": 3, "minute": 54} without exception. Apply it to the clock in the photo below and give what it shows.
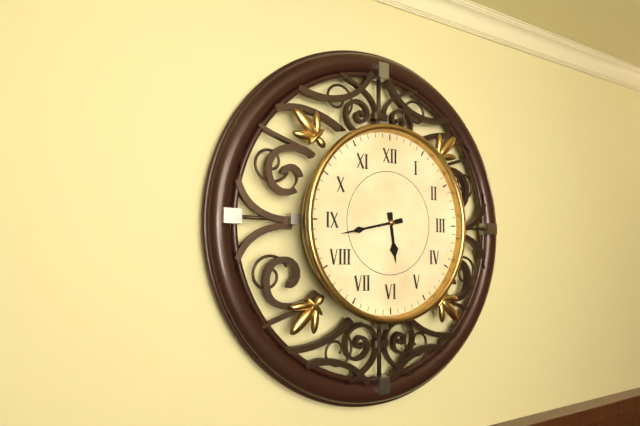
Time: {"hour": 5, "minute": 43}
